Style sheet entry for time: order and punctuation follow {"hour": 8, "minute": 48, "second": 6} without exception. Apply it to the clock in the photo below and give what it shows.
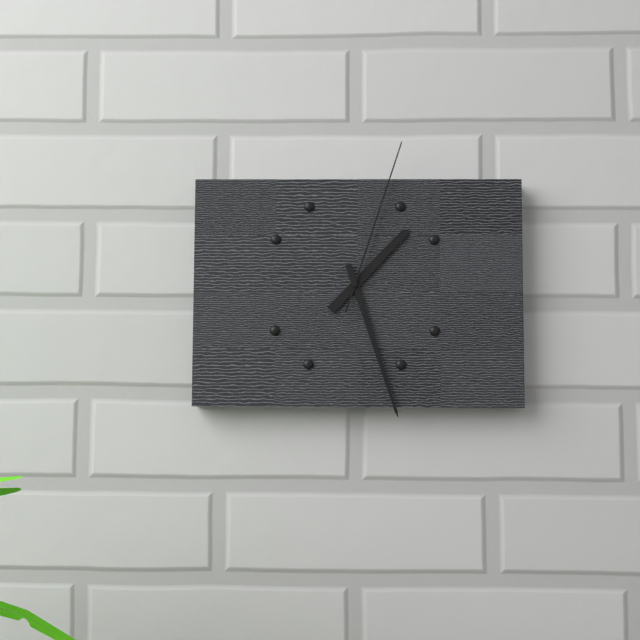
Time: {"hour": 1, "minute": 27, "second": 3}
